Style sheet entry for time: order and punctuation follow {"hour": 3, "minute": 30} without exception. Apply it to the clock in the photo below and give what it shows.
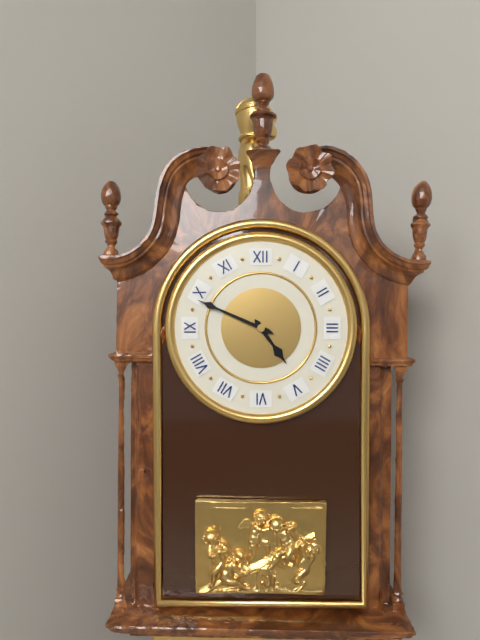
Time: {"hour": 4, "minute": 49}
